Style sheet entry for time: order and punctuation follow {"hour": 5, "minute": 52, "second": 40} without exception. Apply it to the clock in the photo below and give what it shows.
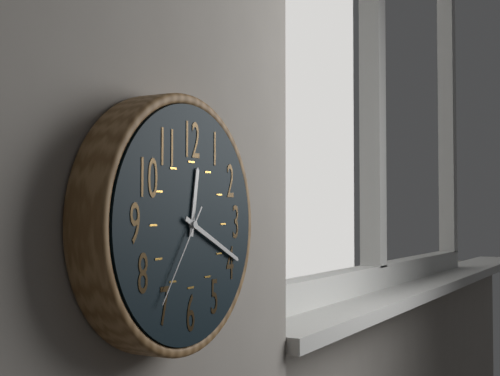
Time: {"hour": 12, "minute": 19, "second": 36}
